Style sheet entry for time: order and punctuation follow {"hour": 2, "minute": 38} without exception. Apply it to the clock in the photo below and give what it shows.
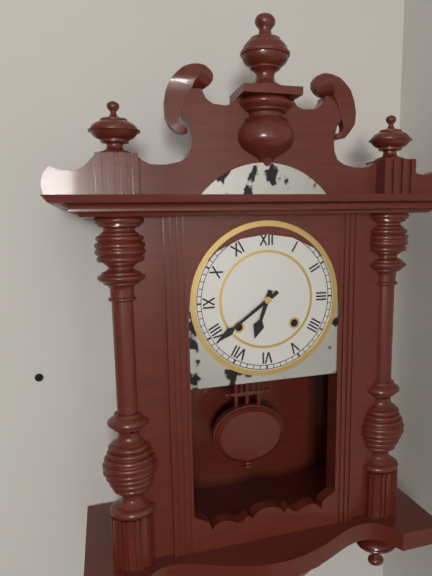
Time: {"hour": 6, "minute": 39}
